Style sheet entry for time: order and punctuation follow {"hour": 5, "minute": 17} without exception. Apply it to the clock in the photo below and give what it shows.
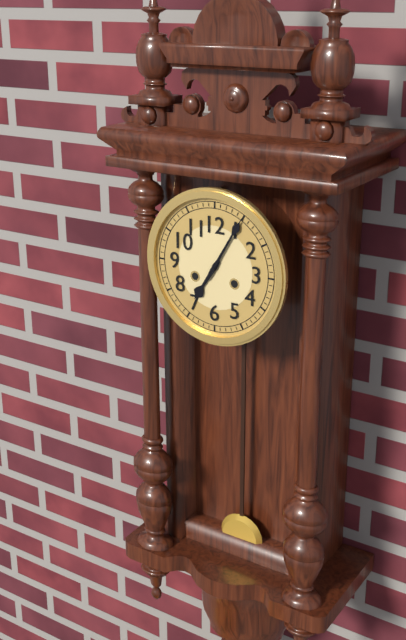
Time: {"hour": 7, "minute": 5}
